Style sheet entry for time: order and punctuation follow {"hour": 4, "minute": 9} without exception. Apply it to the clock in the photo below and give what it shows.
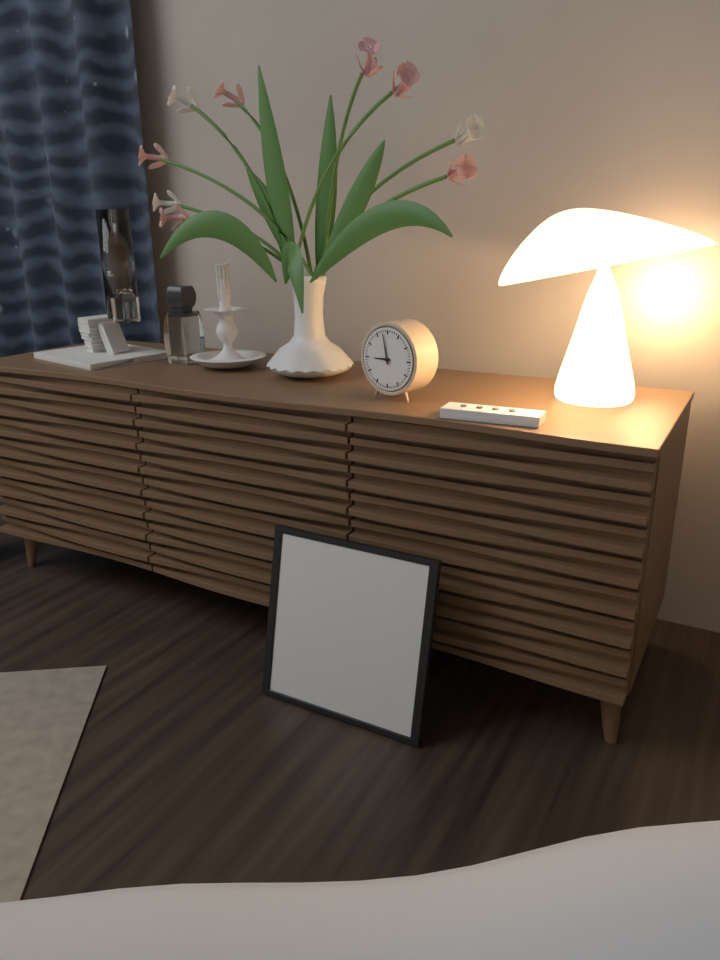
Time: {"hour": 8, "minute": 58}
